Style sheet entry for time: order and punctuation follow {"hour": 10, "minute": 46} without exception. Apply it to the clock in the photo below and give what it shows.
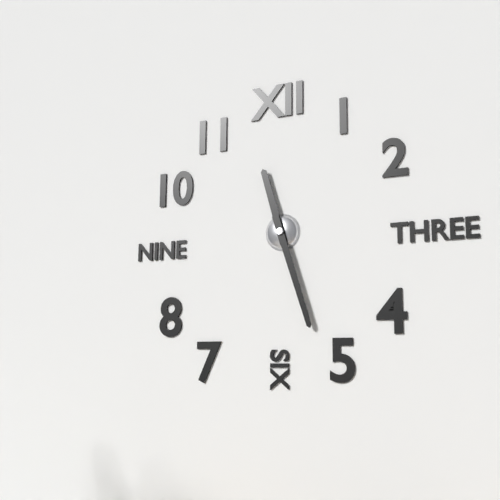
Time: {"hour": 11, "minute": 27}
